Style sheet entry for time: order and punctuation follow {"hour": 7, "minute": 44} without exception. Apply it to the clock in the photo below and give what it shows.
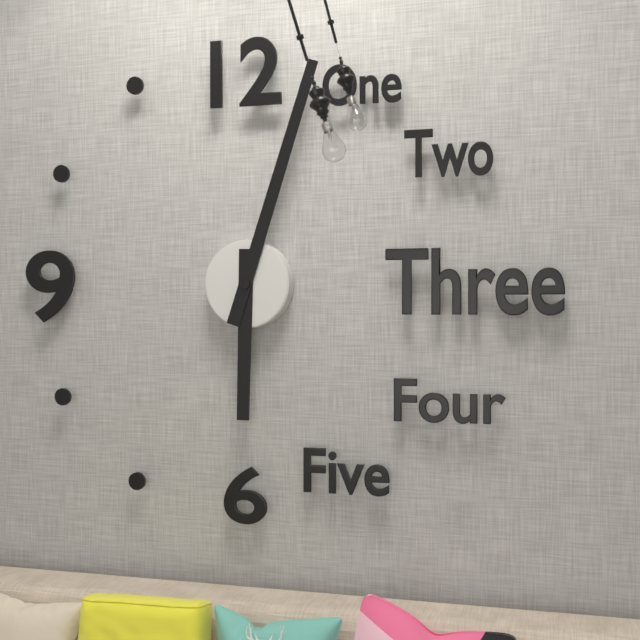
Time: {"hour": 6, "minute": 3}
